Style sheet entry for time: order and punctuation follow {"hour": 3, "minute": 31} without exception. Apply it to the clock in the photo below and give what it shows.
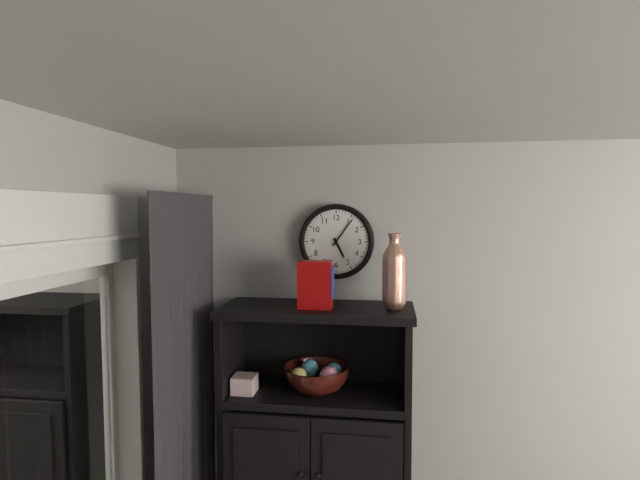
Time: {"hour": 5, "minute": 6}
